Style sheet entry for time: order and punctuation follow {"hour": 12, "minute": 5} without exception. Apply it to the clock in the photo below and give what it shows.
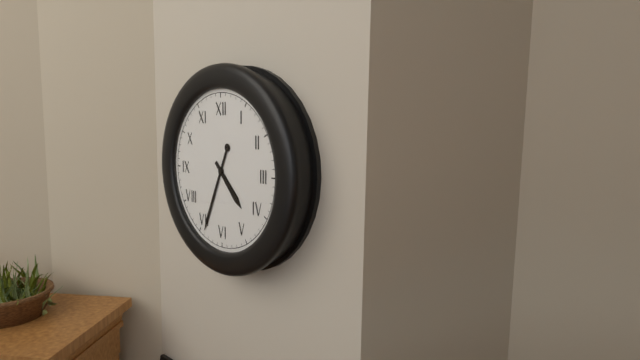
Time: {"hour": 4, "minute": 34}
